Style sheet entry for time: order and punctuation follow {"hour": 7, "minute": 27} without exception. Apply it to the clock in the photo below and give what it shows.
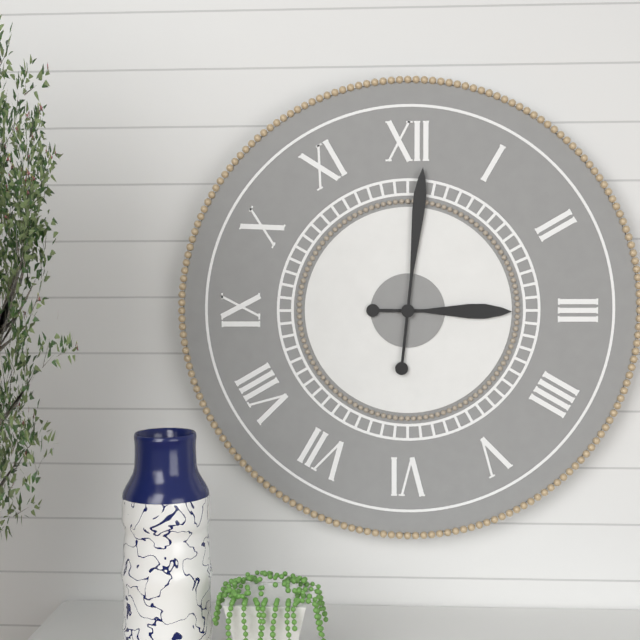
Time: {"hour": 3, "minute": 1}
